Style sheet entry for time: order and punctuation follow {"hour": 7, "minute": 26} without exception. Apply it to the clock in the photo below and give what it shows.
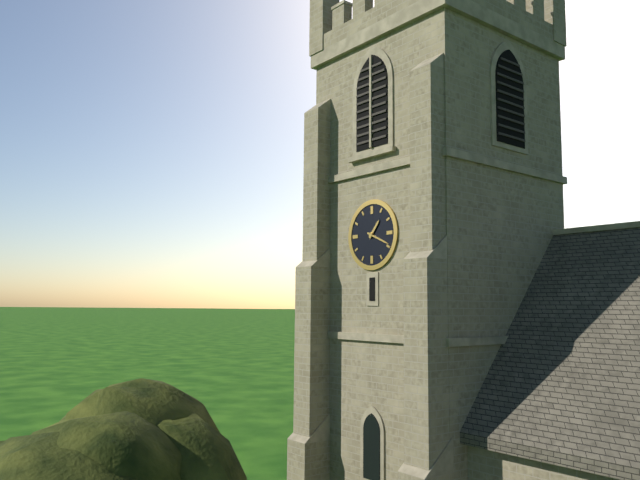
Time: {"hour": 1, "minute": 19}
